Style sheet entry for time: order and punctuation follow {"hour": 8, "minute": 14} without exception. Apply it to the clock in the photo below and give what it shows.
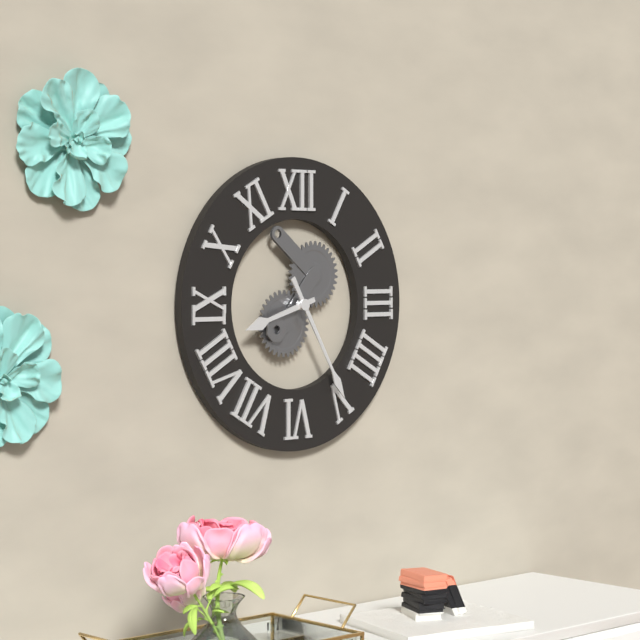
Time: {"hour": 8, "minute": 25}
